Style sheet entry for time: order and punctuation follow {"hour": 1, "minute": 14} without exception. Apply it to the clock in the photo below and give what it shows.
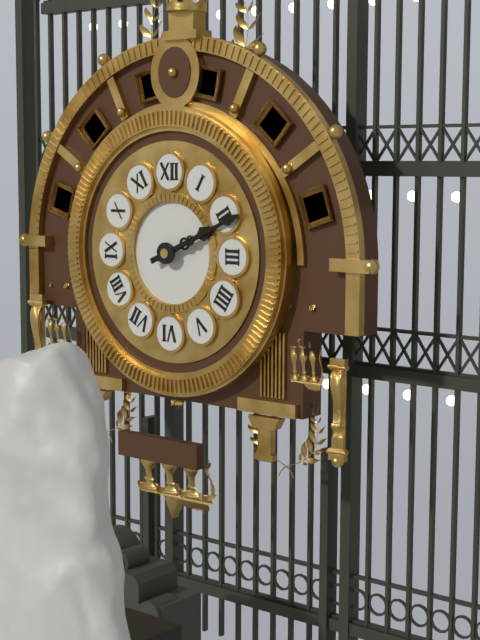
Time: {"hour": 2, "minute": 11}
